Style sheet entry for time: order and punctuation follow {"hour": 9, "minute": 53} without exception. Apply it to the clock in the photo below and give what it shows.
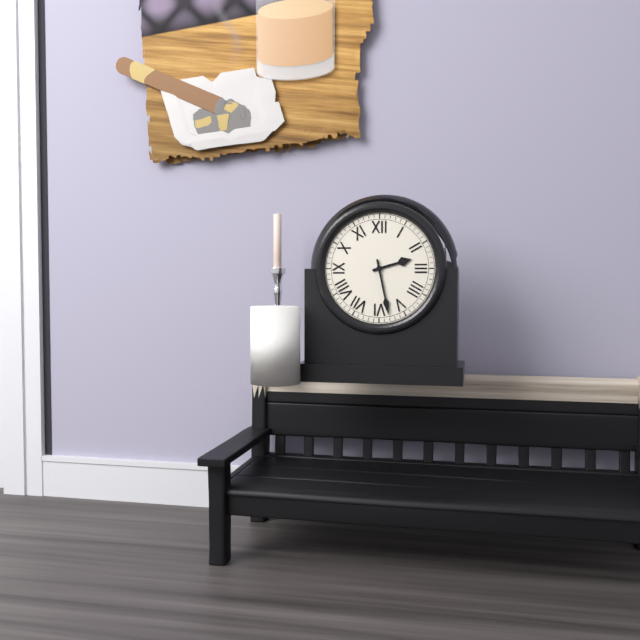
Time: {"hour": 2, "minute": 28}
